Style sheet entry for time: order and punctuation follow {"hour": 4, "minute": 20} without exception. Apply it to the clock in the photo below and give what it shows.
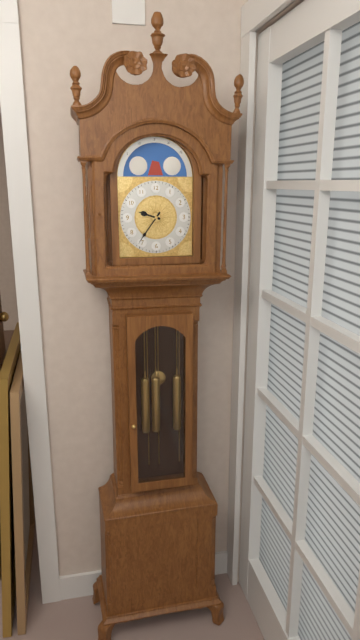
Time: {"hour": 9, "minute": 36}
